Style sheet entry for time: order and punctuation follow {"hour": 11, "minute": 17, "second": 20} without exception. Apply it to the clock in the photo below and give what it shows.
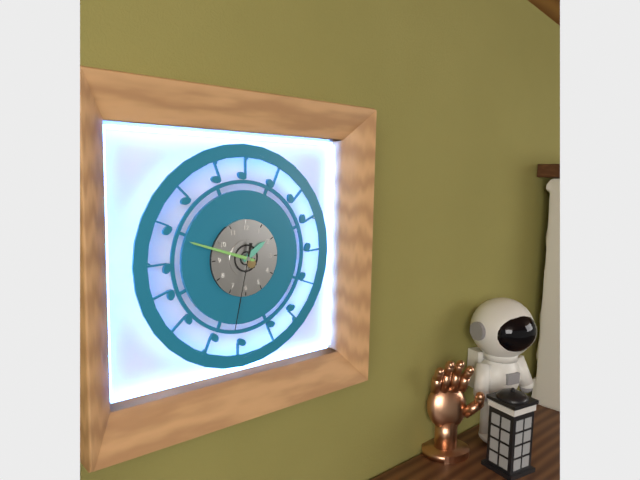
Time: {"hour": 1, "minute": 48, "second": 32}
